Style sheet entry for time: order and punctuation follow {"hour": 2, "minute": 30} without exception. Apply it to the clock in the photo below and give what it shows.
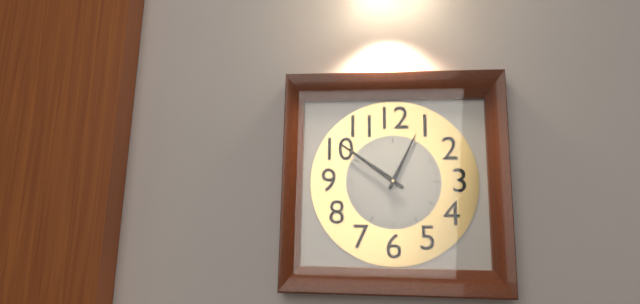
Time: {"hour": 12, "minute": 51}
